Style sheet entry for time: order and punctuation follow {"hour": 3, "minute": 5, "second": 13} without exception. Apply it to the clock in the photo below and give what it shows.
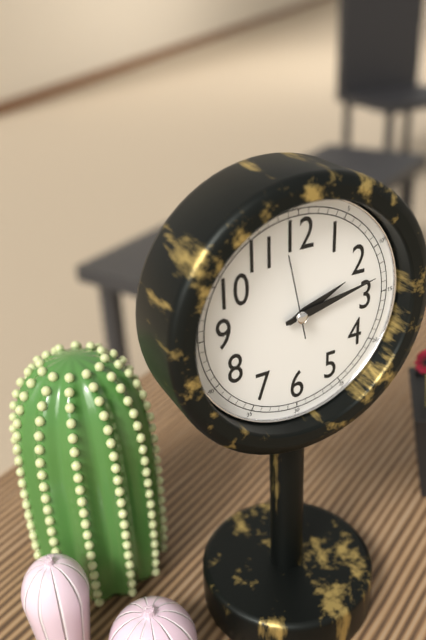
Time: {"hour": 2, "minute": 13, "second": 58}
